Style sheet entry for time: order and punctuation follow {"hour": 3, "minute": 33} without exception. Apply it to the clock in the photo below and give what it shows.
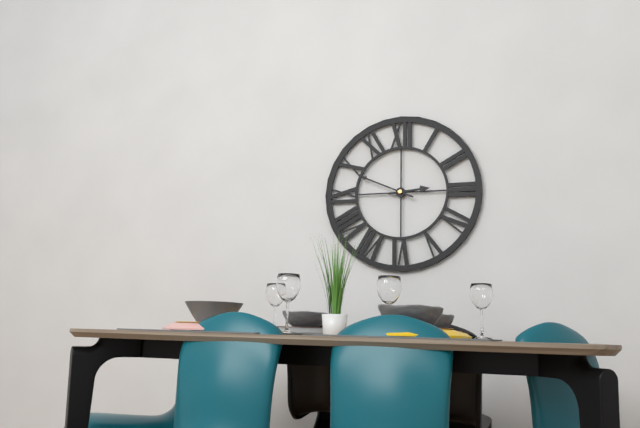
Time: {"hour": 2, "minute": 49}
